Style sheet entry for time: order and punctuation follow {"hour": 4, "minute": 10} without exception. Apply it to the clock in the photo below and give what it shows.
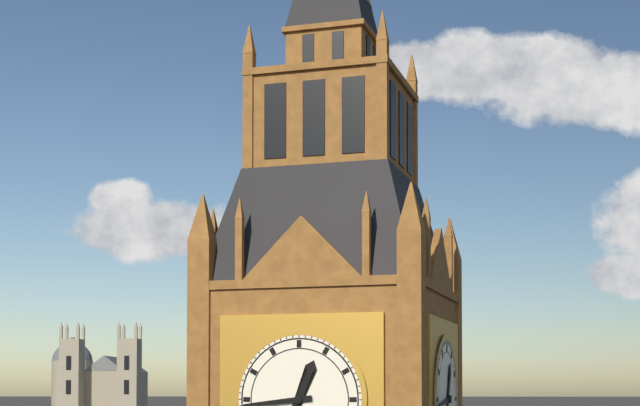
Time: {"hour": 12, "minute": 44}
